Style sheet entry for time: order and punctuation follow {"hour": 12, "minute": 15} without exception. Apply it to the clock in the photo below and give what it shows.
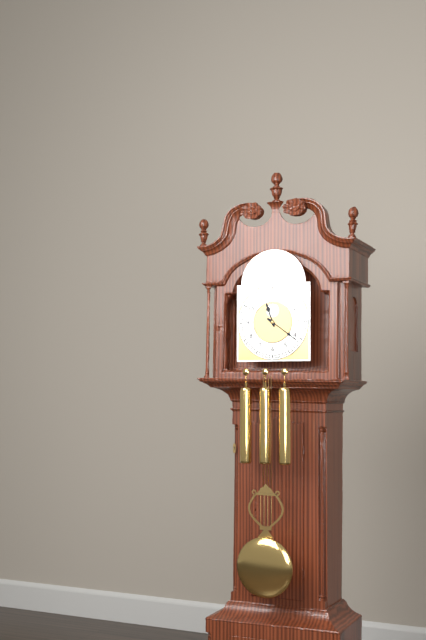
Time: {"hour": 11, "minute": 21}
